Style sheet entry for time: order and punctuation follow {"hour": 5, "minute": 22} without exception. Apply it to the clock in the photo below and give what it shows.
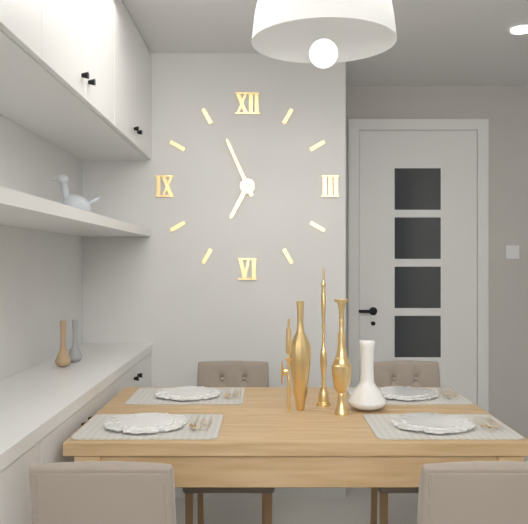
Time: {"hour": 6, "minute": 56}
